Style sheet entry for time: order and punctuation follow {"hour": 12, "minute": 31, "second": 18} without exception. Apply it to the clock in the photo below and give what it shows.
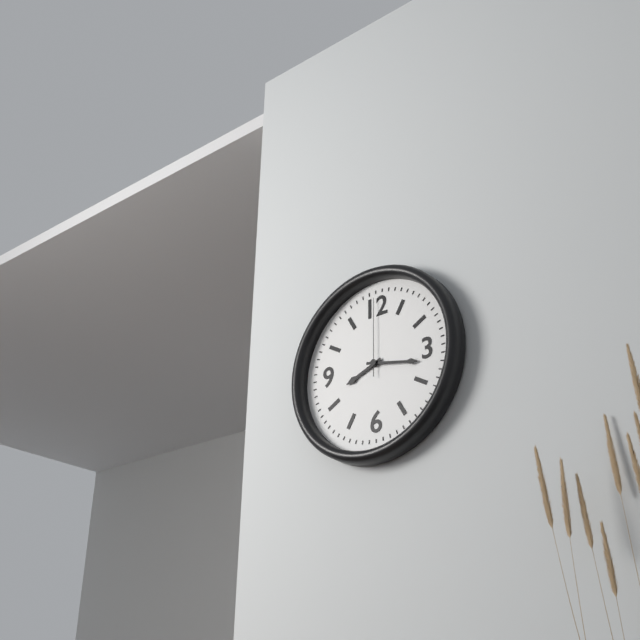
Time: {"hour": 8, "minute": 17, "second": 0}
